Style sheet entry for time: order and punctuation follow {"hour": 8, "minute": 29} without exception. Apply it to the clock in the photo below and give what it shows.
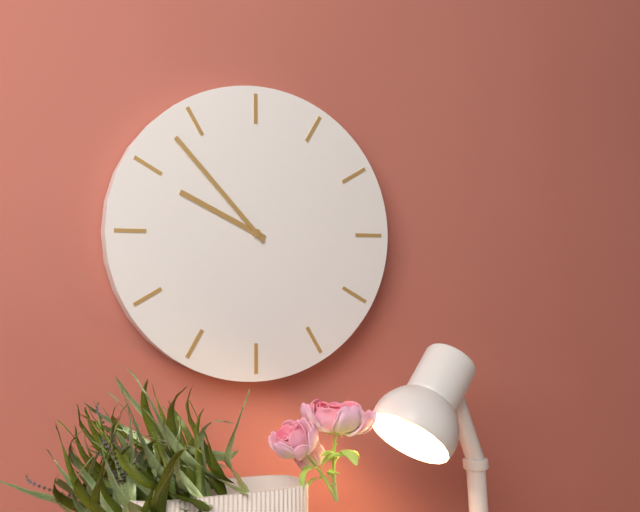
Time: {"hour": 9, "minute": 53}
